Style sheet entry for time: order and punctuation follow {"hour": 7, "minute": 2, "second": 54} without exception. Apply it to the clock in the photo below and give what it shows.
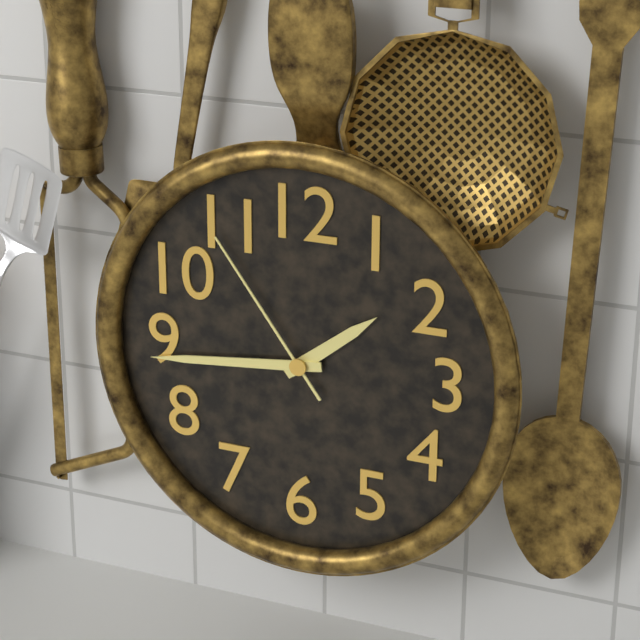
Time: {"hour": 1, "minute": 44, "second": 54}
